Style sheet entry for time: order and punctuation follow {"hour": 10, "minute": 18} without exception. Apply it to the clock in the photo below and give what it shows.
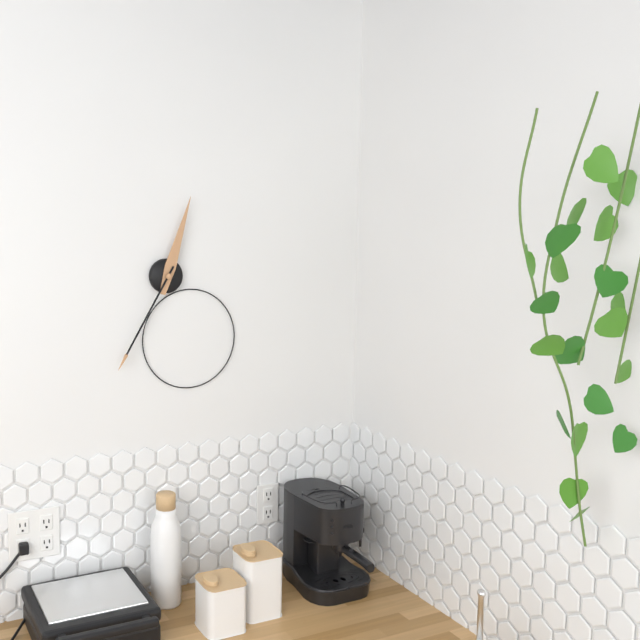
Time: {"hour": 12, "minute": 35}
